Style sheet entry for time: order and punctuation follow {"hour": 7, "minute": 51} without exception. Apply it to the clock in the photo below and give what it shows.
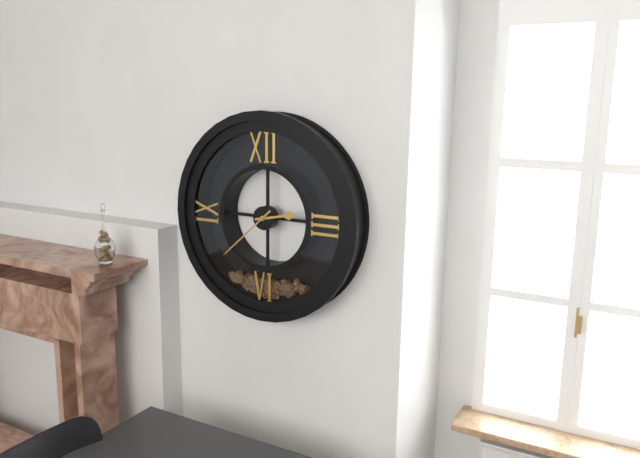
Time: {"hour": 2, "minute": 38}
